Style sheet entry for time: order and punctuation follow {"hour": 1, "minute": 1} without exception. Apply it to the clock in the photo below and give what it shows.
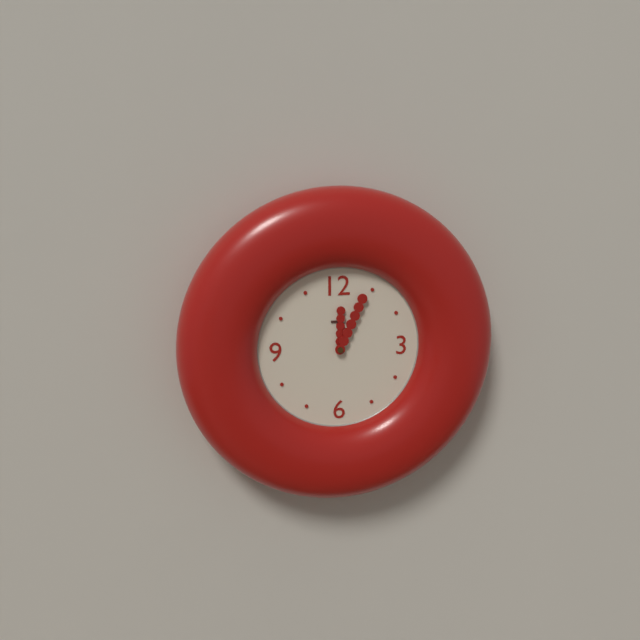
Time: {"hour": 12, "minute": 4}
